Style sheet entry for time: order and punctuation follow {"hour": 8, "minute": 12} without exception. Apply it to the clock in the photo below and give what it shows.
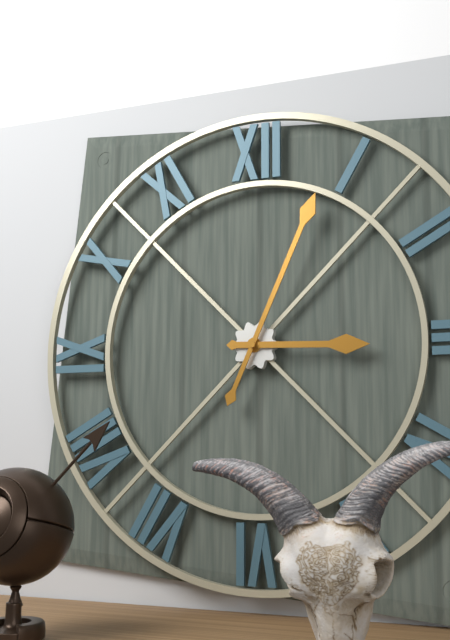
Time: {"hour": 3, "minute": 4}
